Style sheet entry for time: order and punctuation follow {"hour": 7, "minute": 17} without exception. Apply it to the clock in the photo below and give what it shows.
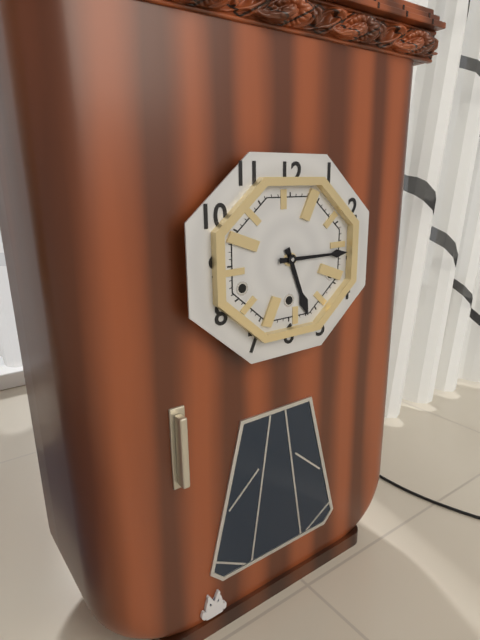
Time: {"hour": 5, "minute": 15}
